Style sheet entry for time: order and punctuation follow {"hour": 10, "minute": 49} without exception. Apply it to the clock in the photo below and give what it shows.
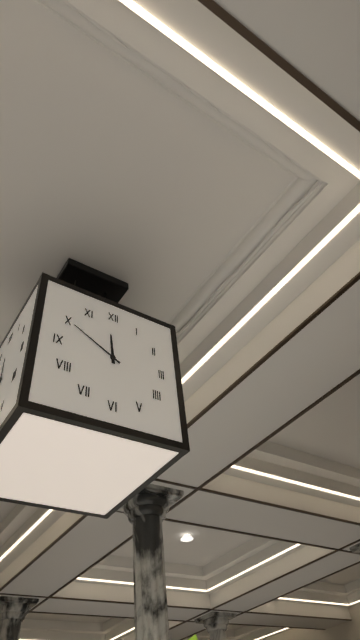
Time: {"hour": 11, "minute": 50}
